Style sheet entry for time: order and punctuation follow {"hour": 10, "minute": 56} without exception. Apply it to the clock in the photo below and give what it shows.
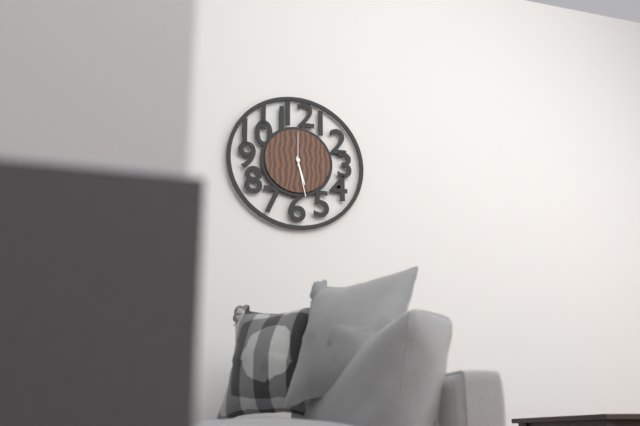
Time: {"hour": 5, "minute": 28}
